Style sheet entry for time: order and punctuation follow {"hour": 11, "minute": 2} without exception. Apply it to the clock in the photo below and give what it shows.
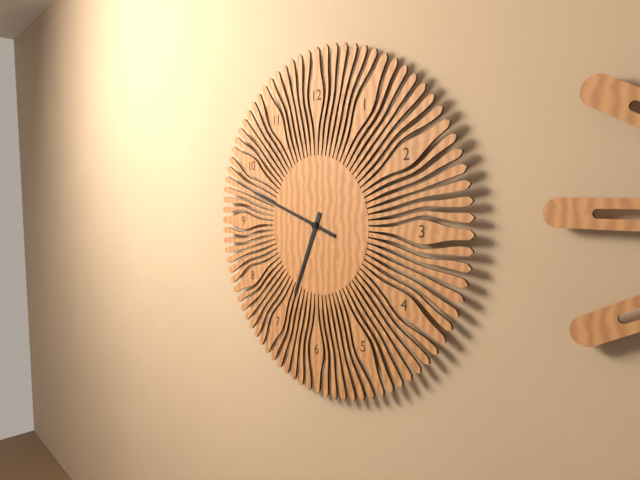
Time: {"hour": 6, "minute": 48}
